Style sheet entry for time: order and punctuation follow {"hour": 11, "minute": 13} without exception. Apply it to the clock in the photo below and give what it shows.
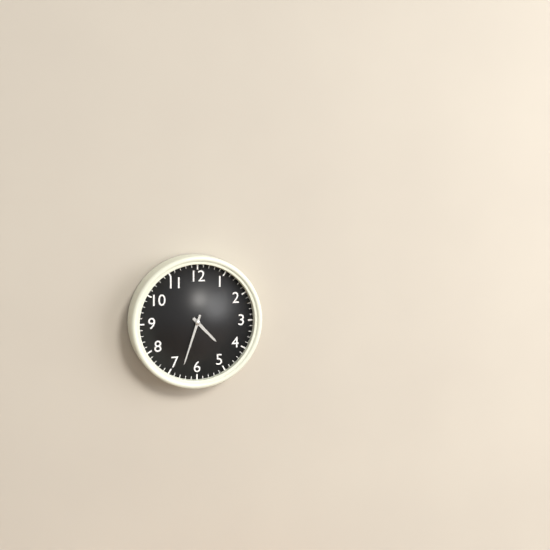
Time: {"hour": 4, "minute": 33}
